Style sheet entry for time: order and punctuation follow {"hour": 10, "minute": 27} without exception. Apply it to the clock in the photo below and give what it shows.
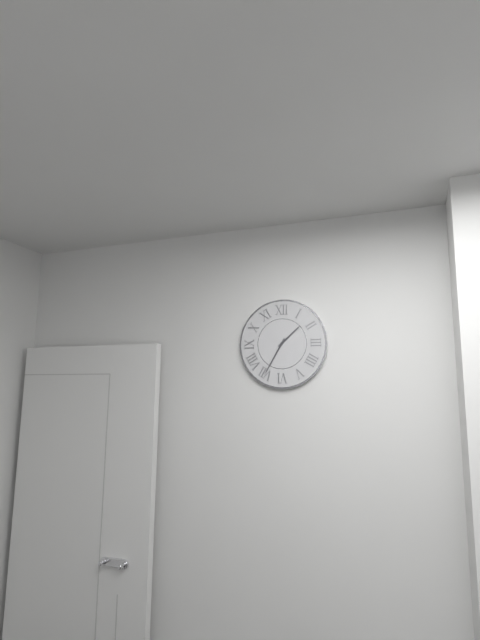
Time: {"hour": 1, "minute": 35}
